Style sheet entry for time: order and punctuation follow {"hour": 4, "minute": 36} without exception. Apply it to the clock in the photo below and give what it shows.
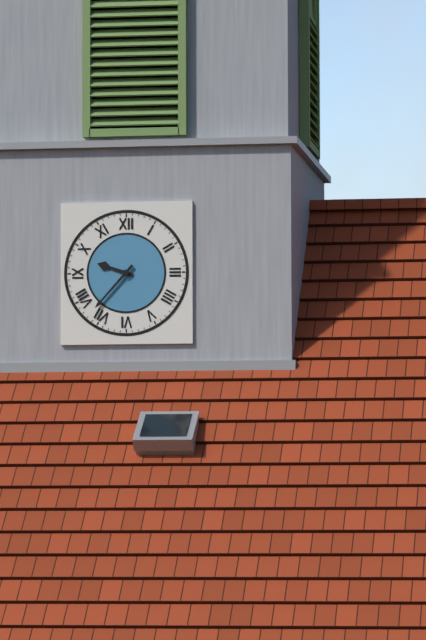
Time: {"hour": 9, "minute": 37}
